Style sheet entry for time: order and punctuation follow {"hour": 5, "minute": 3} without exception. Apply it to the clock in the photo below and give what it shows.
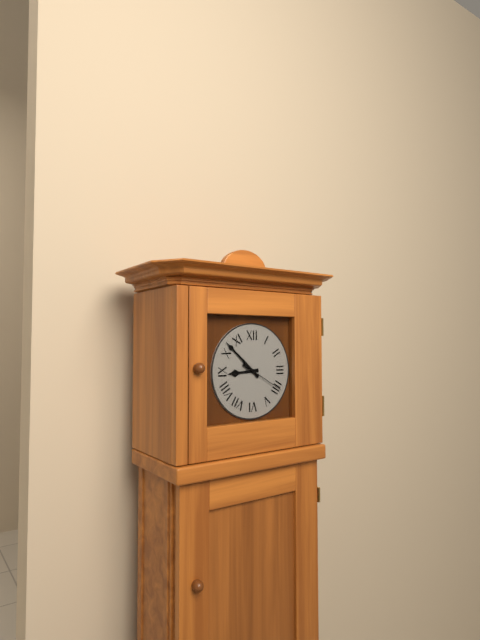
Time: {"hour": 8, "minute": 52}
